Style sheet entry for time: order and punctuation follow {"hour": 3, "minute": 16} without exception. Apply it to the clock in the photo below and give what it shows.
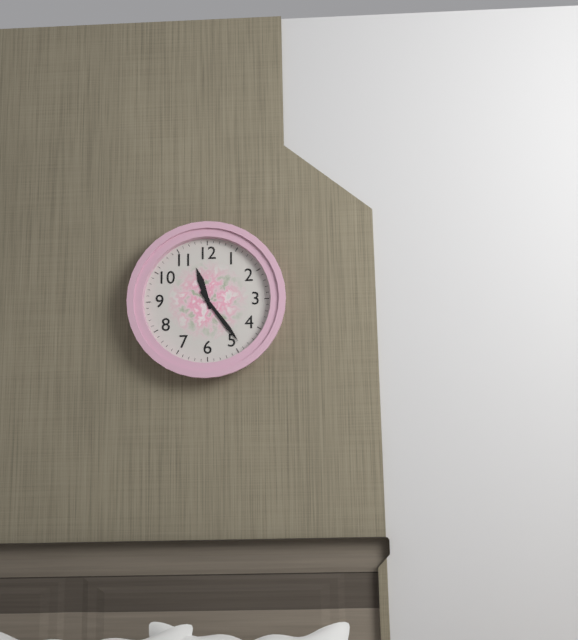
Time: {"hour": 11, "minute": 24}
